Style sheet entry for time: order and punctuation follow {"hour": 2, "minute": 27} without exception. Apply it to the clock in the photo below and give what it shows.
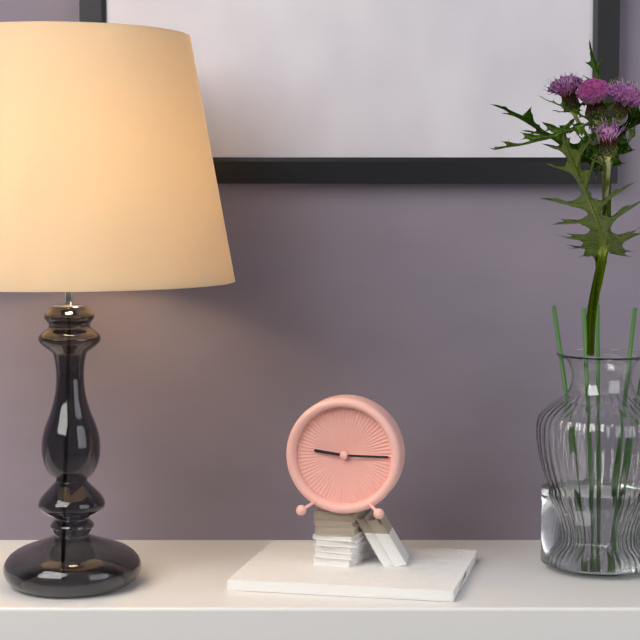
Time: {"hour": 9, "minute": 15}
